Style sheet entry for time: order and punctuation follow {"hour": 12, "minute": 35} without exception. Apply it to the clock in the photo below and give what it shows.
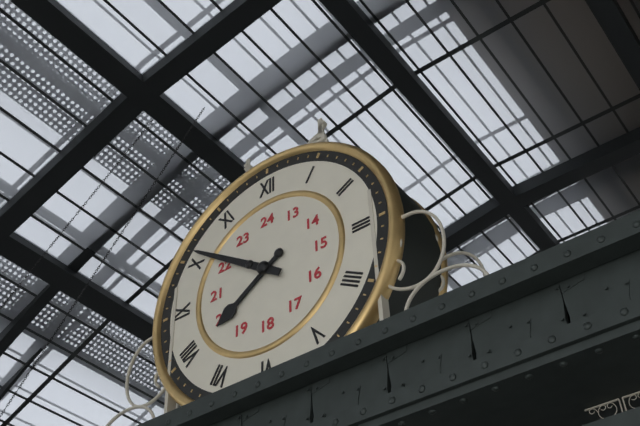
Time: {"hour": 7, "minute": 51}
